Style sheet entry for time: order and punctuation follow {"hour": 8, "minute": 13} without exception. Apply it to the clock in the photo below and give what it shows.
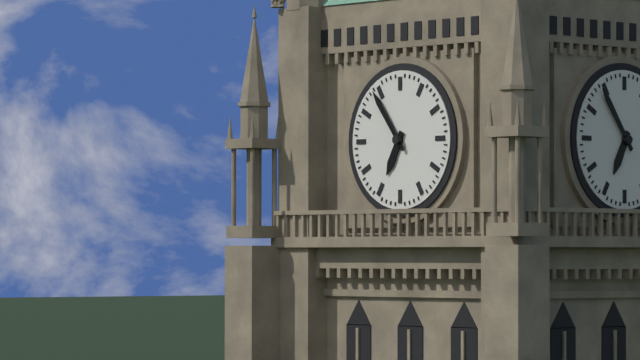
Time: {"hour": 6, "minute": 54}
